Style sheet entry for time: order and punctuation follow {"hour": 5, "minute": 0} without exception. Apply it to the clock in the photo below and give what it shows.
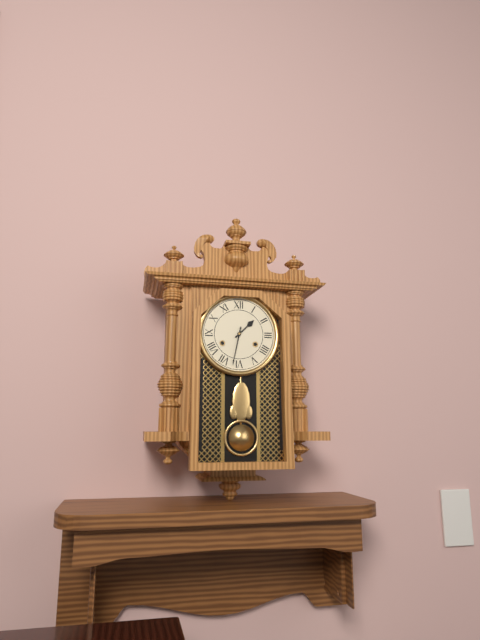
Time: {"hour": 1, "minute": 32}
